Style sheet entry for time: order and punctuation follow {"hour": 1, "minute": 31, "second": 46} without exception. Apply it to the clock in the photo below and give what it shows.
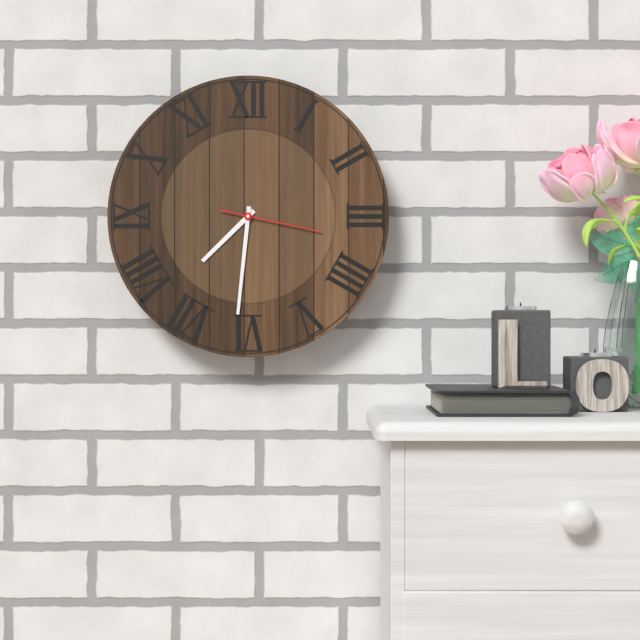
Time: {"hour": 7, "minute": 31, "second": 17}
